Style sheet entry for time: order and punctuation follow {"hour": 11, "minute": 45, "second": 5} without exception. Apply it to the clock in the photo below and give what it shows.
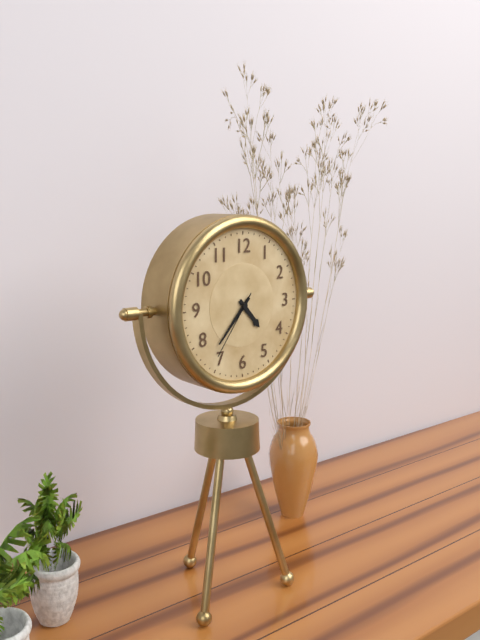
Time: {"hour": 4, "minute": 37, "second": 36}
